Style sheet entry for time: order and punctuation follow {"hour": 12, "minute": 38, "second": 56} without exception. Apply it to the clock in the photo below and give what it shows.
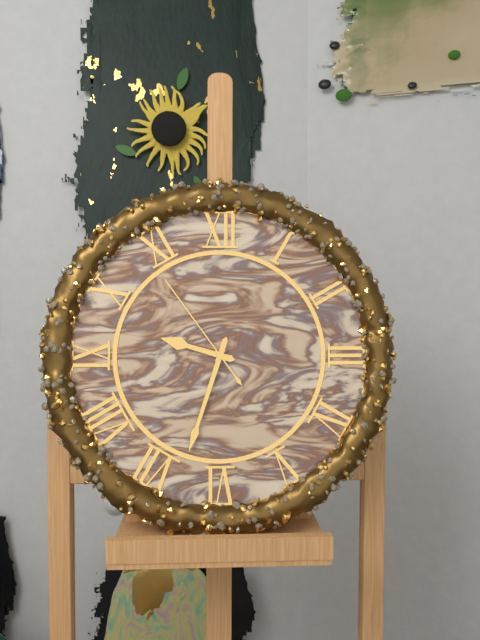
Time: {"hour": 9, "minute": 33, "second": 54}
